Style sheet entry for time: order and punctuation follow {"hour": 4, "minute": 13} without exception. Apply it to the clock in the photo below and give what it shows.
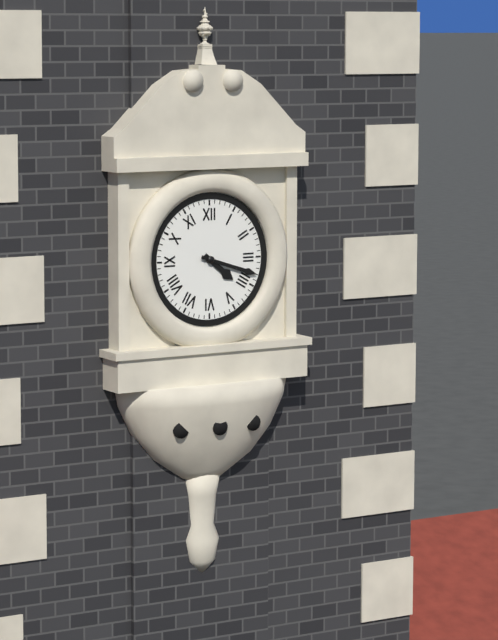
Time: {"hour": 4, "minute": 18}
